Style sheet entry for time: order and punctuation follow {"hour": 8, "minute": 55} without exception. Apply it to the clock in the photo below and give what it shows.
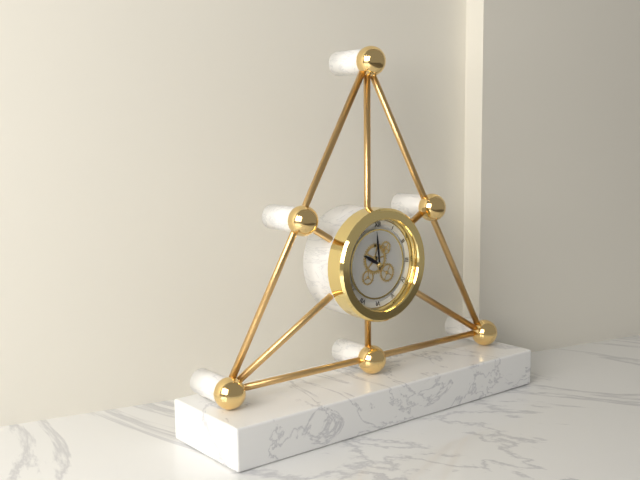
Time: {"hour": 9, "minute": 59}
